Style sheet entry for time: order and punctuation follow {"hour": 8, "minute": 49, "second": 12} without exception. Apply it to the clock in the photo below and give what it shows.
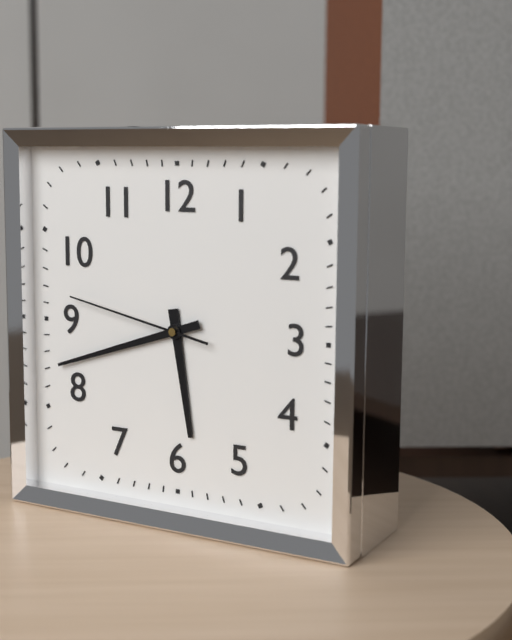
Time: {"hour": 5, "minute": 42, "second": 47}
